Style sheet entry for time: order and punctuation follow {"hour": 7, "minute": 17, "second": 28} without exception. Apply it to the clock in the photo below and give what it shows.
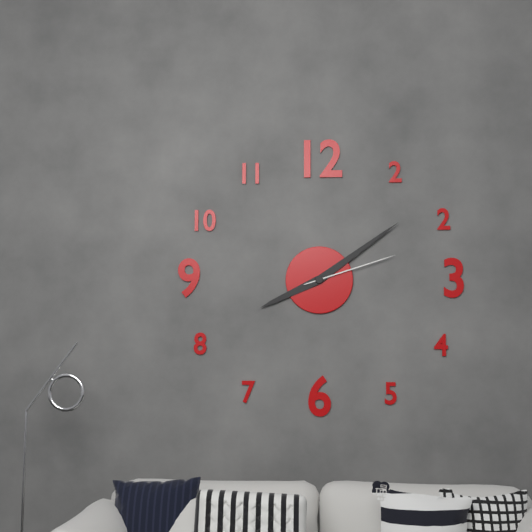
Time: {"hour": 8, "minute": 9, "second": 12}
